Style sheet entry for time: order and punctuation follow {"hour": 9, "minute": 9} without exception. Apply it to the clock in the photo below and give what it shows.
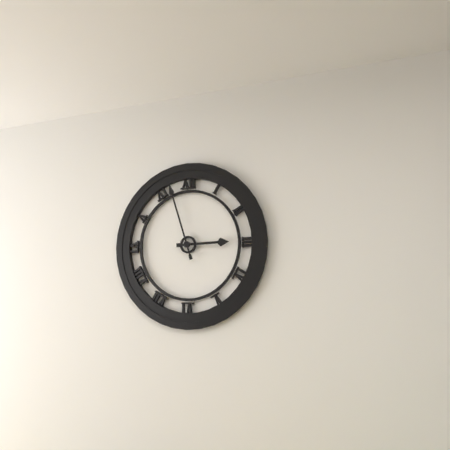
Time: {"hour": 2, "minute": 57}
